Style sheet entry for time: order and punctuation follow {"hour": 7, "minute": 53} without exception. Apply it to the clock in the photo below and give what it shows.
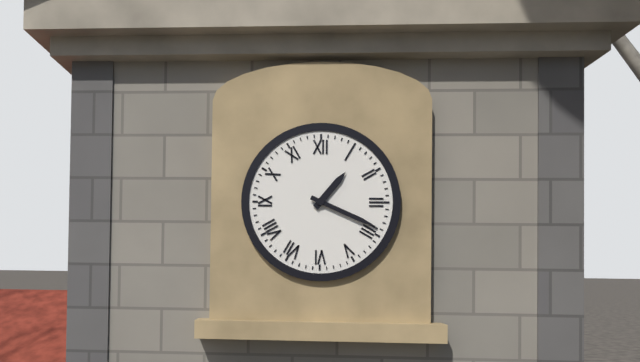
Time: {"hour": 1, "minute": 19}
